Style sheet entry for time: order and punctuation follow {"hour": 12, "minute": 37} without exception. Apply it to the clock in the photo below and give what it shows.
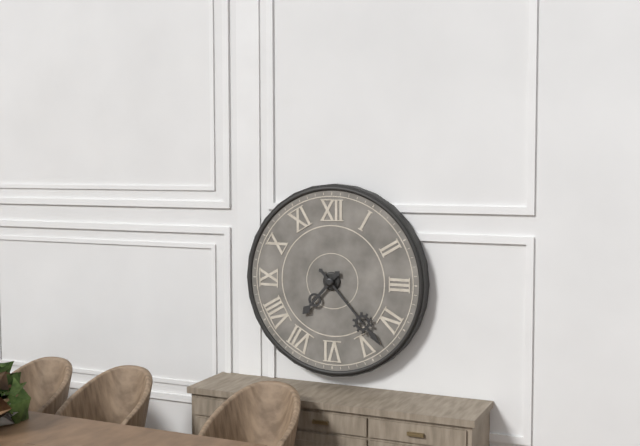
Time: {"hour": 7, "minute": 23}
